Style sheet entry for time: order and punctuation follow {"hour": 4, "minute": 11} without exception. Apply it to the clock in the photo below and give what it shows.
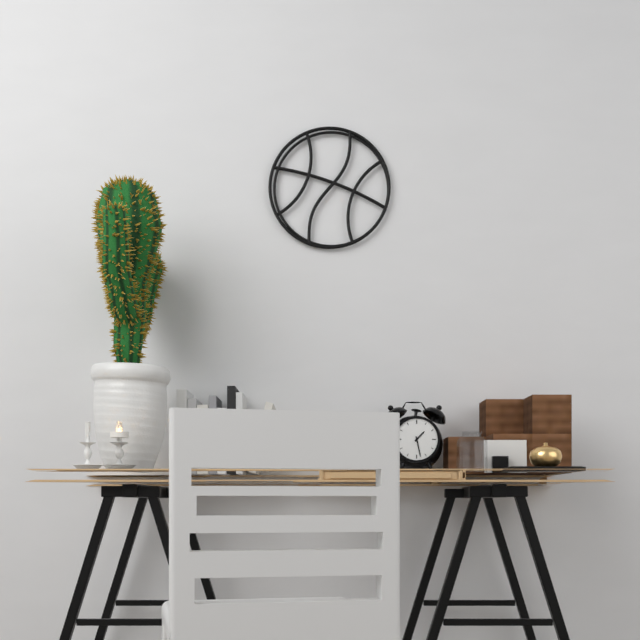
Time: {"hour": 1, "minute": 28}
